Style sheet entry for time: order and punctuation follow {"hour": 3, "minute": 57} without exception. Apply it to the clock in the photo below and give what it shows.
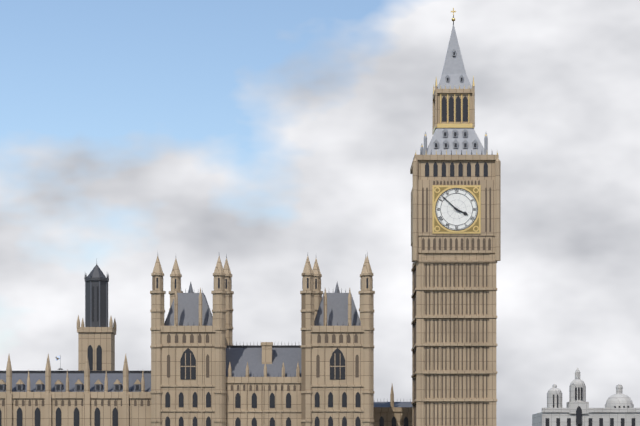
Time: {"hour": 3, "minute": 52}
